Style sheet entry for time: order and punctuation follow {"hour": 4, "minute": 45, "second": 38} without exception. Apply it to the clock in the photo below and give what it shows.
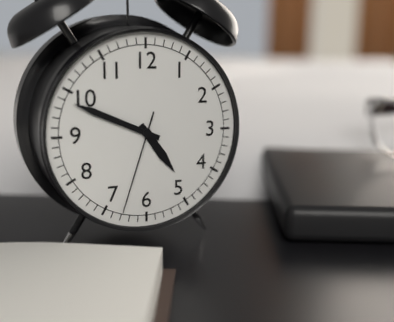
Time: {"hour": 4, "minute": 49, "second": 33}
